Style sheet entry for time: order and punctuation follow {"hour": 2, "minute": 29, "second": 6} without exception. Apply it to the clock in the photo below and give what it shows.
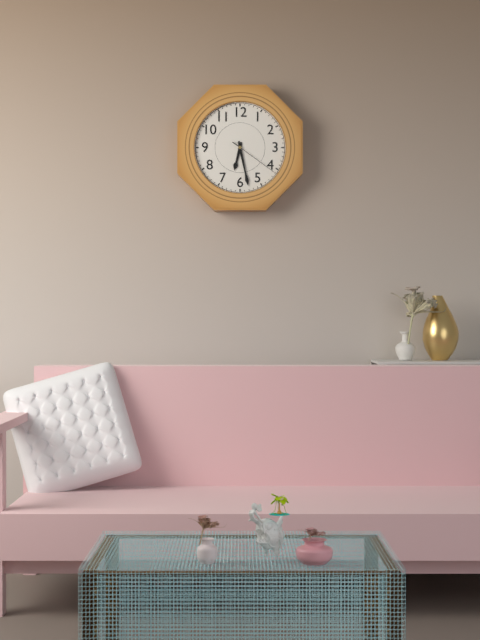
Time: {"hour": 6, "minute": 28, "second": 21}
